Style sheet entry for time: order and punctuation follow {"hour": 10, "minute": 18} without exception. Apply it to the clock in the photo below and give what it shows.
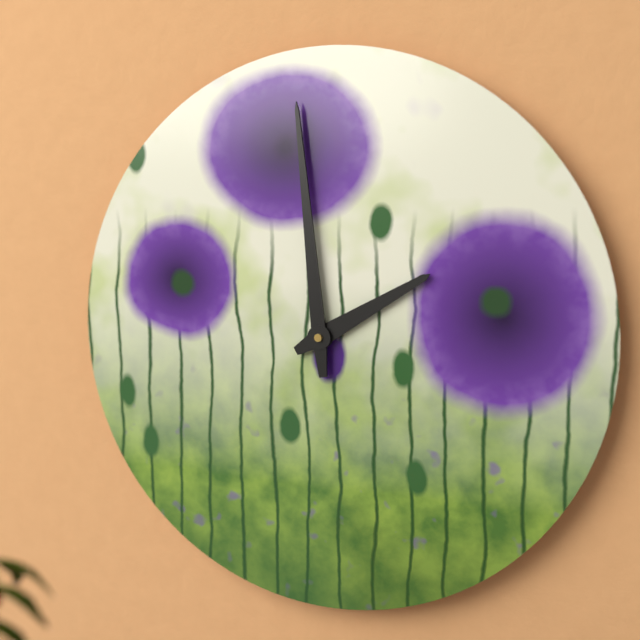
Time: {"hour": 1, "minute": 59}
